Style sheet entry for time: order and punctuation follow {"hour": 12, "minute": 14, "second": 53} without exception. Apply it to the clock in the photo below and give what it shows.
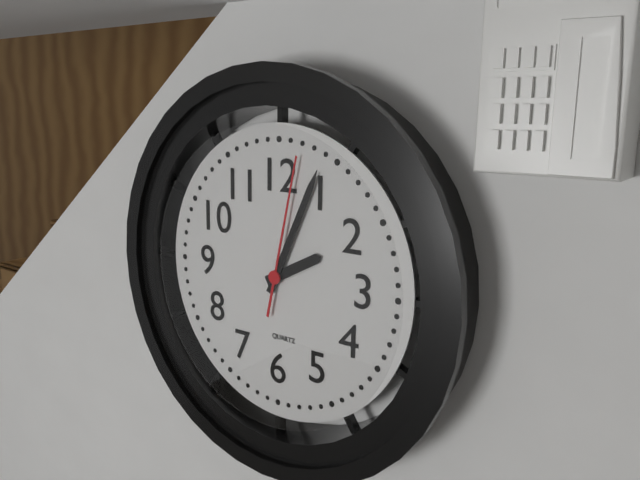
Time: {"hour": 2, "minute": 4, "second": 2}
